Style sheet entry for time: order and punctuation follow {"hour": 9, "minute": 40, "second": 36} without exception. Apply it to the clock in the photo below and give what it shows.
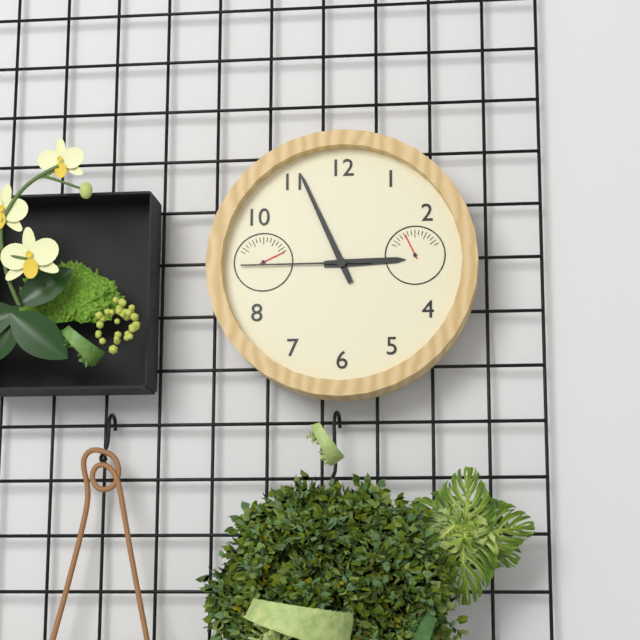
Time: {"hour": 2, "minute": 56, "second": 45}
